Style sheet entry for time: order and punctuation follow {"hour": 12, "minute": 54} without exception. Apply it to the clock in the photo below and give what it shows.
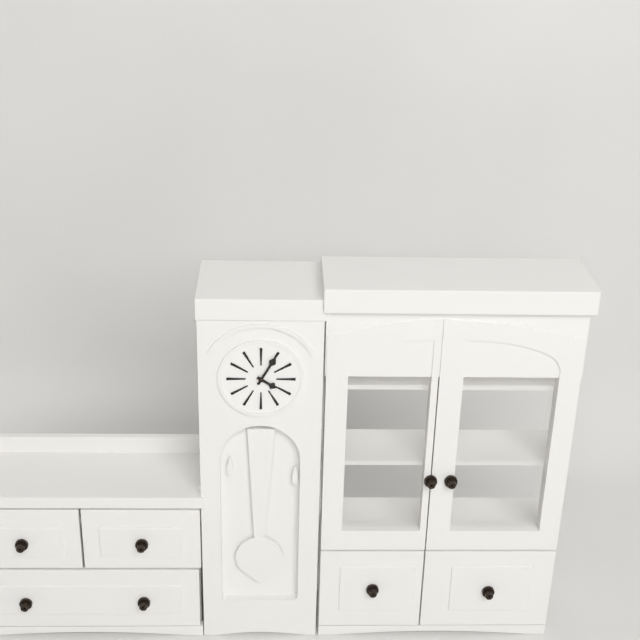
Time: {"hour": 4, "minute": 5}
